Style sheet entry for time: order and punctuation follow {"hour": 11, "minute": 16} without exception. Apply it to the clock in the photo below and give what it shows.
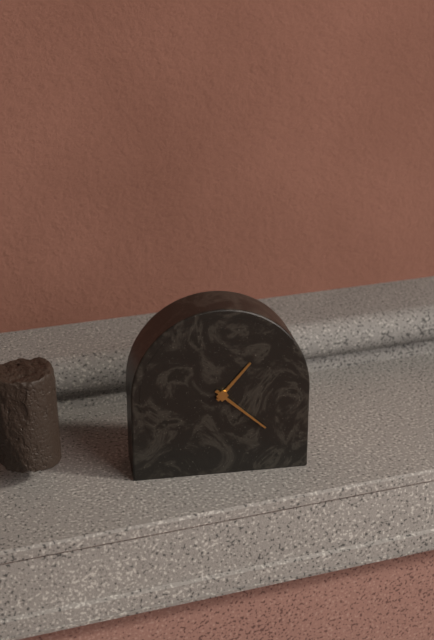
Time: {"hour": 1, "minute": 22}
